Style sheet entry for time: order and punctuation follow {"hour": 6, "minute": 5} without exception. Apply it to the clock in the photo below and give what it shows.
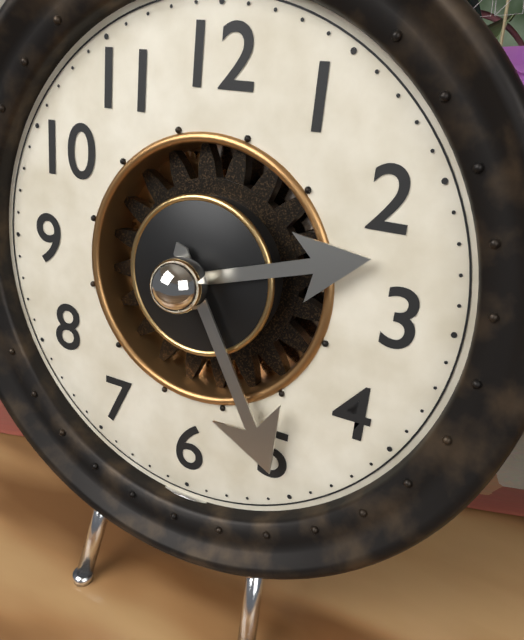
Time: {"hour": 2, "minute": 25}
